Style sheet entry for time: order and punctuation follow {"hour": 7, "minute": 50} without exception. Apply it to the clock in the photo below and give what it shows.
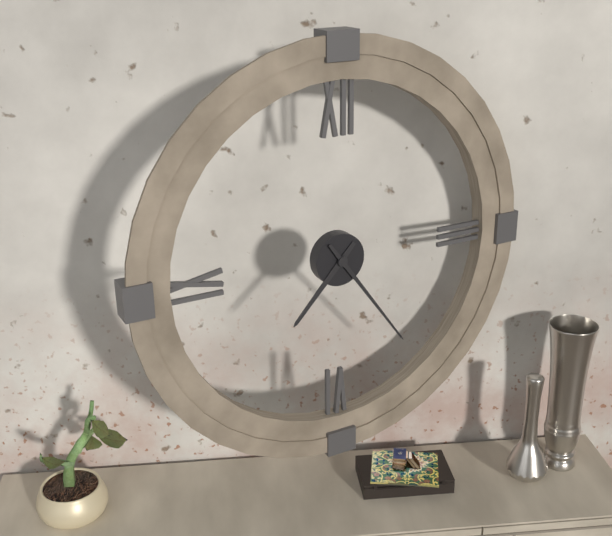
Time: {"hour": 7, "minute": 24}
